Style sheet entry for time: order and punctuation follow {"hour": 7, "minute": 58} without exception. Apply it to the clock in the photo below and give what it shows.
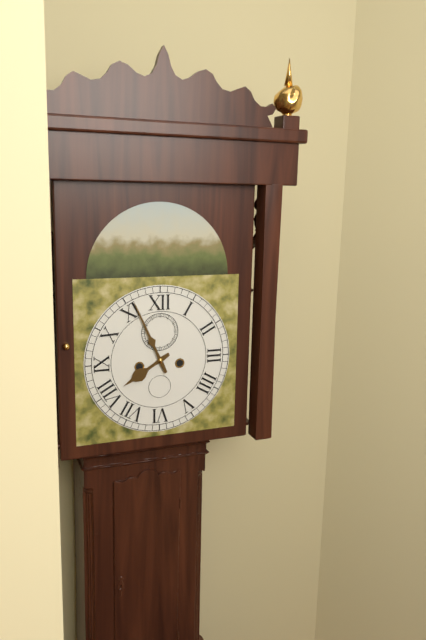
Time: {"hour": 7, "minute": 56}
